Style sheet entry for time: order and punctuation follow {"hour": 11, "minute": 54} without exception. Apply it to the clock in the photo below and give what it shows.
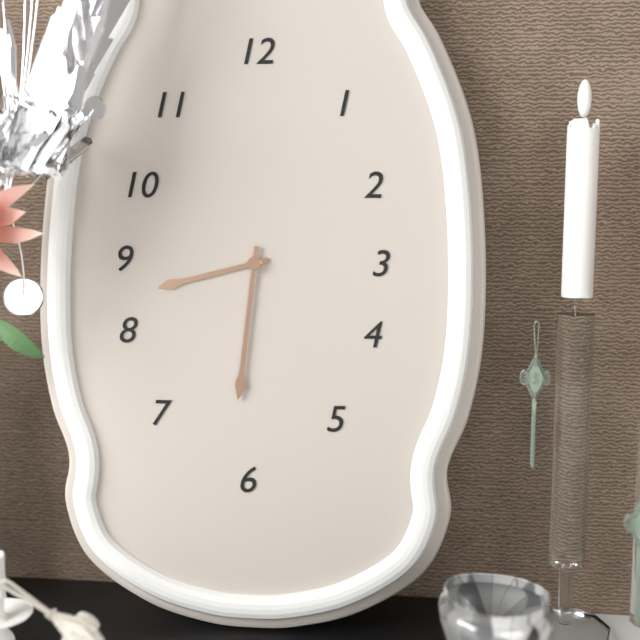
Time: {"hour": 8, "minute": 31}
